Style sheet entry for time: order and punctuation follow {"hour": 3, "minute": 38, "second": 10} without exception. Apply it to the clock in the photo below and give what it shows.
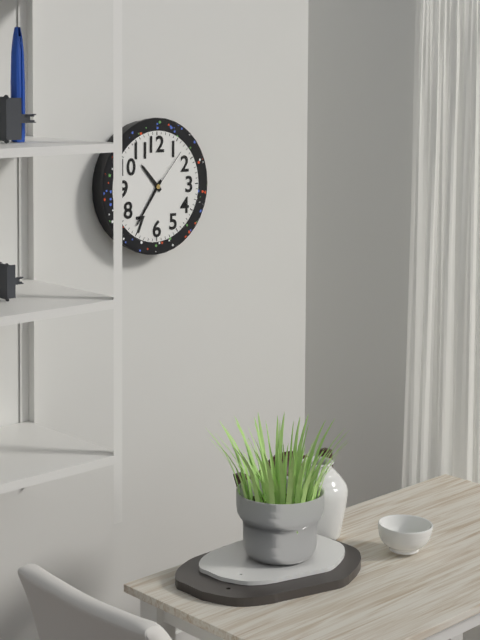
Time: {"hour": 10, "minute": 36, "second": 7}
